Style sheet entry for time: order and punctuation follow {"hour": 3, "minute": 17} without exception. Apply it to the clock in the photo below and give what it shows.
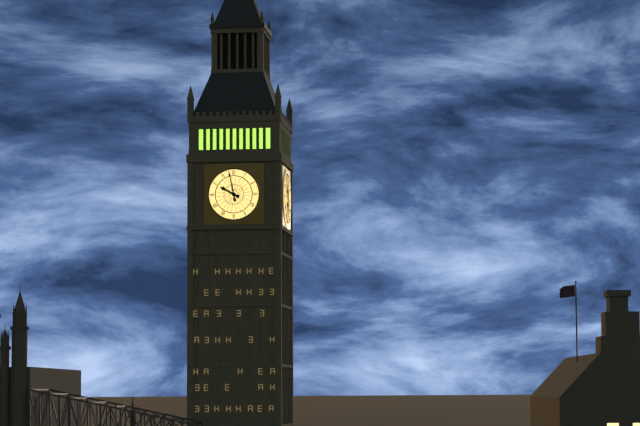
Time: {"hour": 9, "minute": 58}
